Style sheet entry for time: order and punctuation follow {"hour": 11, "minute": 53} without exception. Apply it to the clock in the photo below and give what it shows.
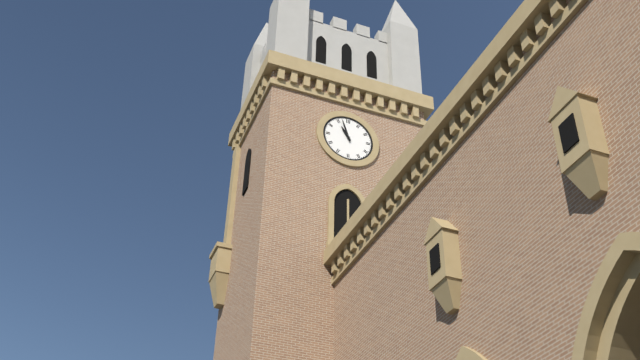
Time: {"hour": 10, "minute": 57}
